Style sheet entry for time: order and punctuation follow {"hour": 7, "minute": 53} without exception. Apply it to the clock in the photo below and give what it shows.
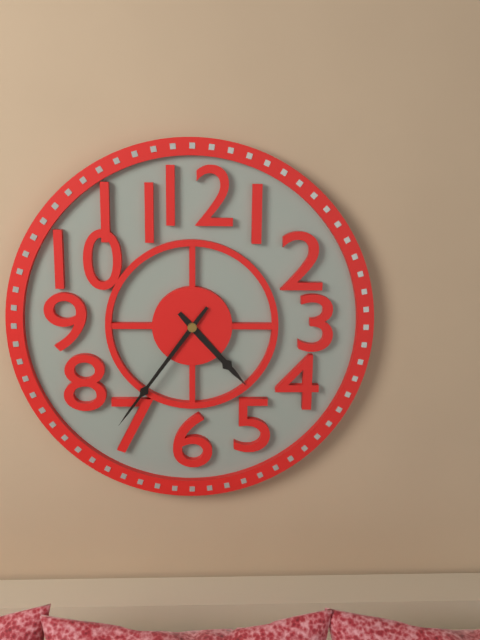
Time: {"hour": 4, "minute": 36}
